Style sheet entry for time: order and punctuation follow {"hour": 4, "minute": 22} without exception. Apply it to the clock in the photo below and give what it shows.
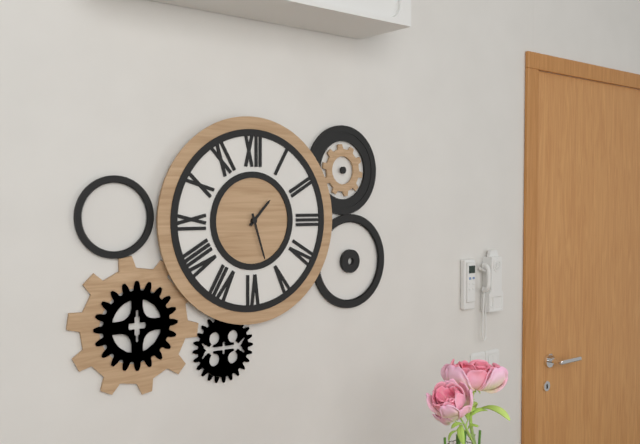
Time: {"hour": 1, "minute": 27}
